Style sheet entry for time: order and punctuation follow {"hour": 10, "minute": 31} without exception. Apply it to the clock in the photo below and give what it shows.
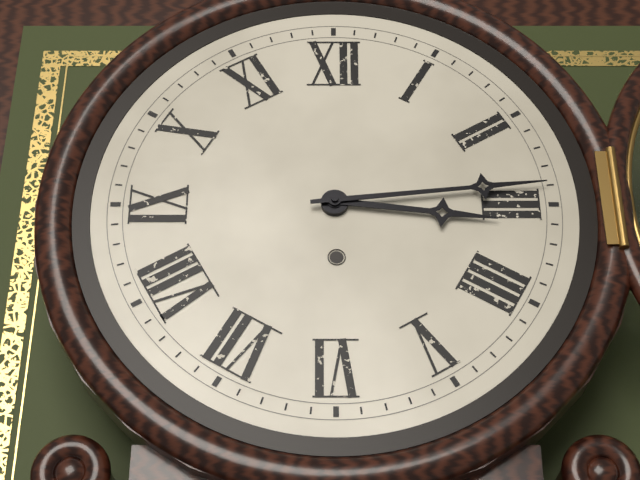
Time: {"hour": 3, "minute": 14}
